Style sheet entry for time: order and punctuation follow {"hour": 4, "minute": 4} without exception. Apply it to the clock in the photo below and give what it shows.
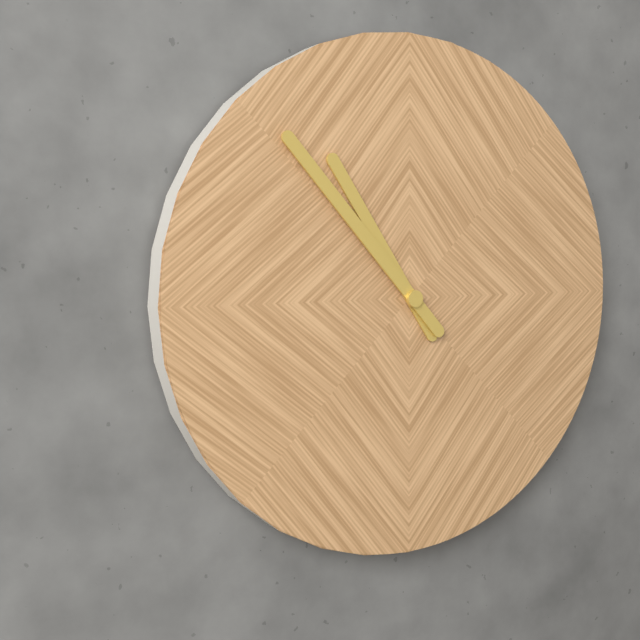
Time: {"hour": 10, "minute": 53}
